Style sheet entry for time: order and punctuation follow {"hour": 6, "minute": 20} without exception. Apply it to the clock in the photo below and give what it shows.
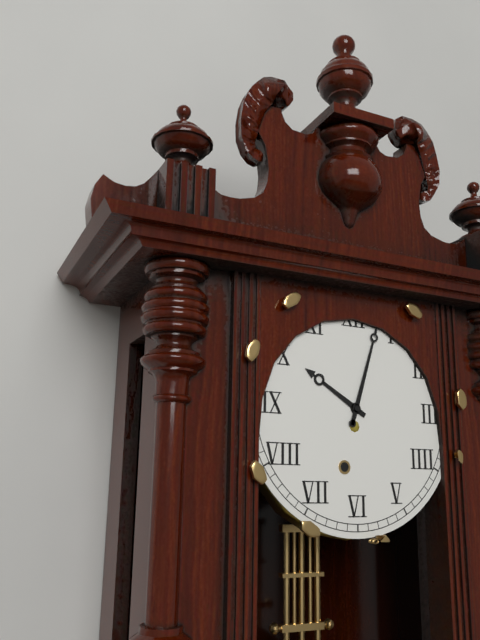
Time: {"hour": 10, "minute": 3}
